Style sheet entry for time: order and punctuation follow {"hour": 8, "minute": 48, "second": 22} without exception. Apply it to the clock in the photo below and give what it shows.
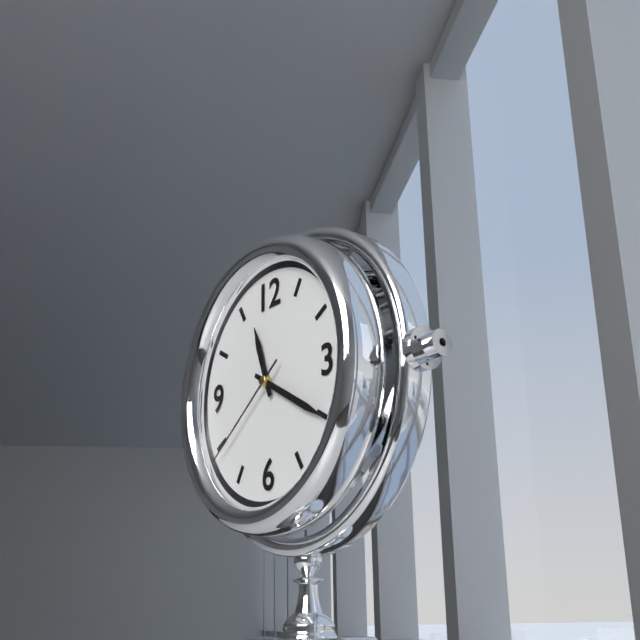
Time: {"hour": 11, "minute": 20, "second": 39}
